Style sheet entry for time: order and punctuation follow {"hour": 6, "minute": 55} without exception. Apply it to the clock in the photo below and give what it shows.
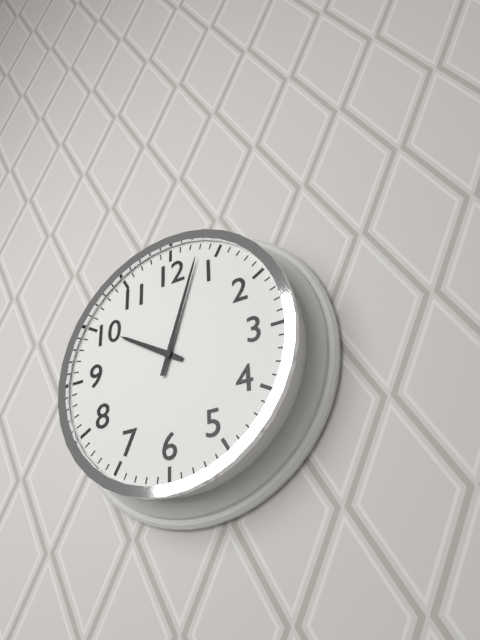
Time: {"hour": 10, "minute": 3}
